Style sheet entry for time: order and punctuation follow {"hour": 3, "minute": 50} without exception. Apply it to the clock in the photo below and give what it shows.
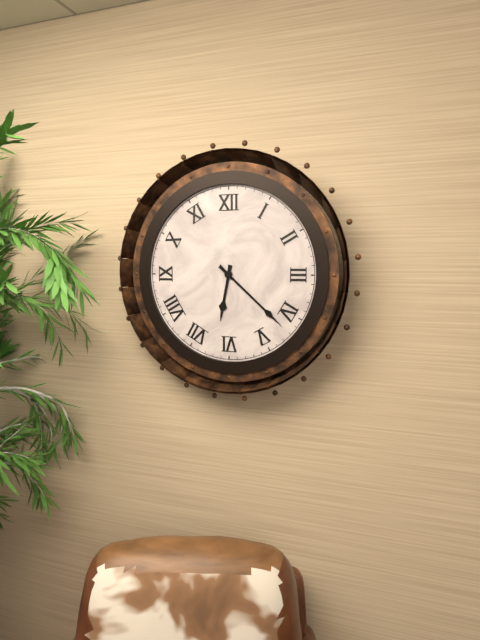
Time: {"hour": 6, "minute": 22}
